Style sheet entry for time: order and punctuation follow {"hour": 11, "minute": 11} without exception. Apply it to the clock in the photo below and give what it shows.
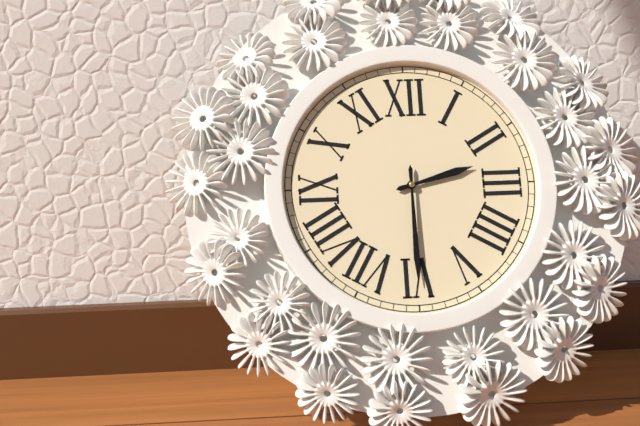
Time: {"hour": 2, "minute": 30}
